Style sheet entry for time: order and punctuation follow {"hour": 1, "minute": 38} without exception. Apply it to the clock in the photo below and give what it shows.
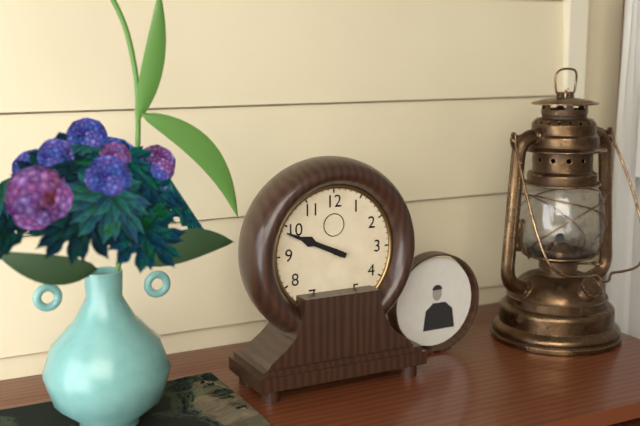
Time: {"hour": 9, "minute": 49}
